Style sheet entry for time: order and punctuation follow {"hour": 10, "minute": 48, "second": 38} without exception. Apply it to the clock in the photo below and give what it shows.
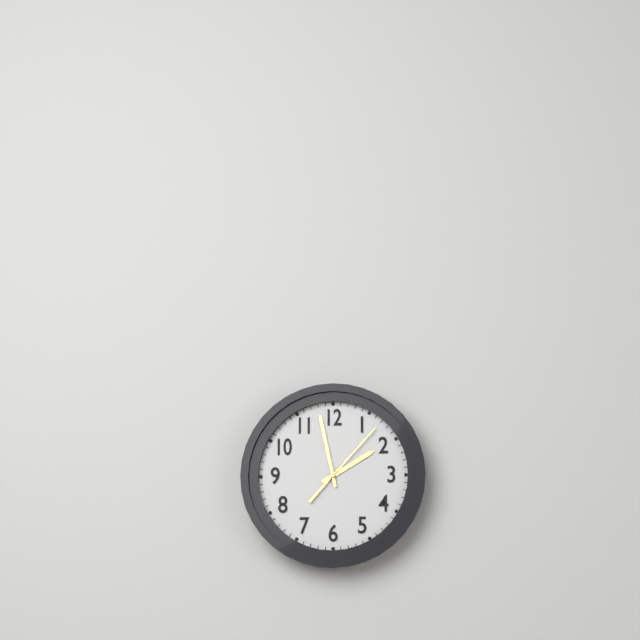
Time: {"hour": 1, "minute": 58, "second": 7}
